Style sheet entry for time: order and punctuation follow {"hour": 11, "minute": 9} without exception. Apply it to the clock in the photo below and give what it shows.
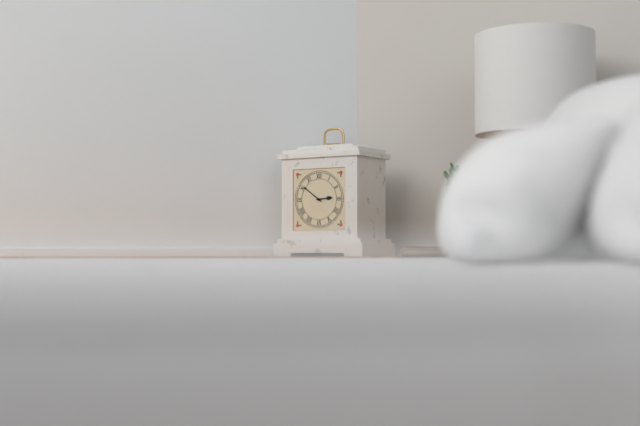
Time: {"hour": 2, "minute": 51}
